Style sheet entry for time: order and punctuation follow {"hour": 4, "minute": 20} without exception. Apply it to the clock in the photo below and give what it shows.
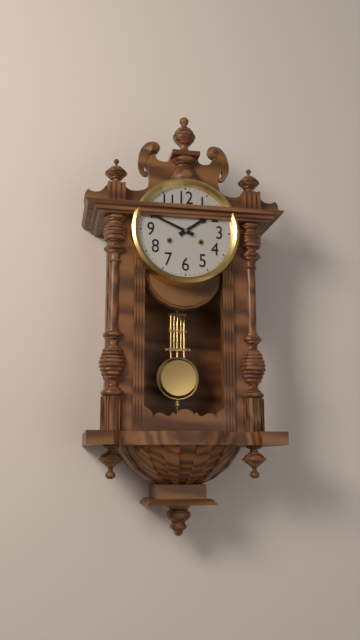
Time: {"hour": 1, "minute": 49}
